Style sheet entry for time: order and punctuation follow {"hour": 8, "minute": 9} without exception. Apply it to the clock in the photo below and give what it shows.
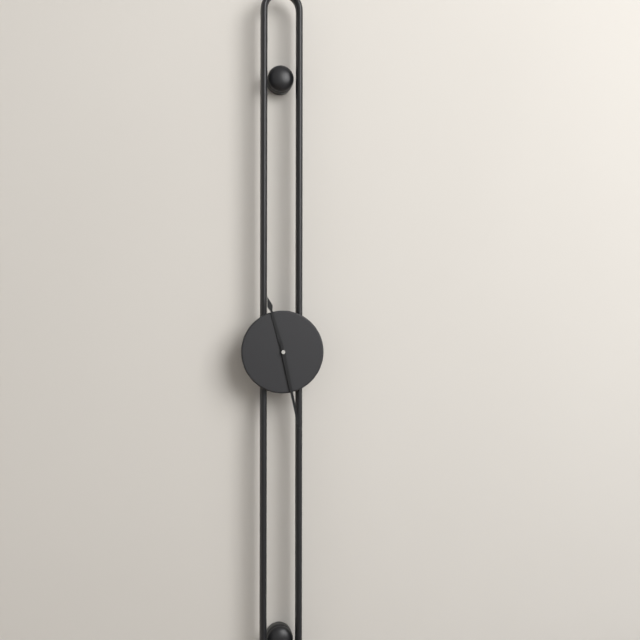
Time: {"hour": 11, "minute": 28}
